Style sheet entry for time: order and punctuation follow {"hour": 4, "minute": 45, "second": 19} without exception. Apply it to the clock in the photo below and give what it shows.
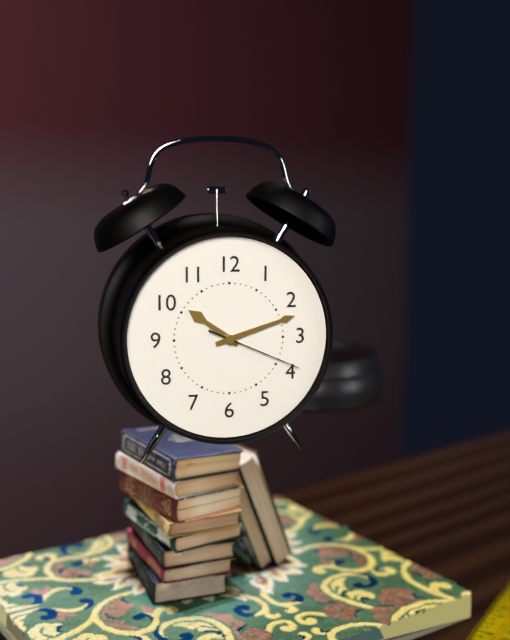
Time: {"hour": 10, "minute": 12, "second": 19}
